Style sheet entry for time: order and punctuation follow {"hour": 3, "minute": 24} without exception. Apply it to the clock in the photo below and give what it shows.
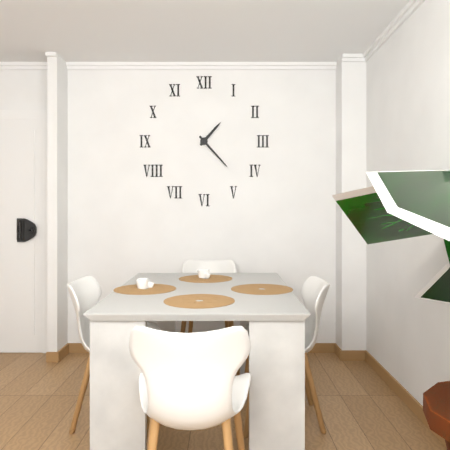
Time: {"hour": 1, "minute": 23}
